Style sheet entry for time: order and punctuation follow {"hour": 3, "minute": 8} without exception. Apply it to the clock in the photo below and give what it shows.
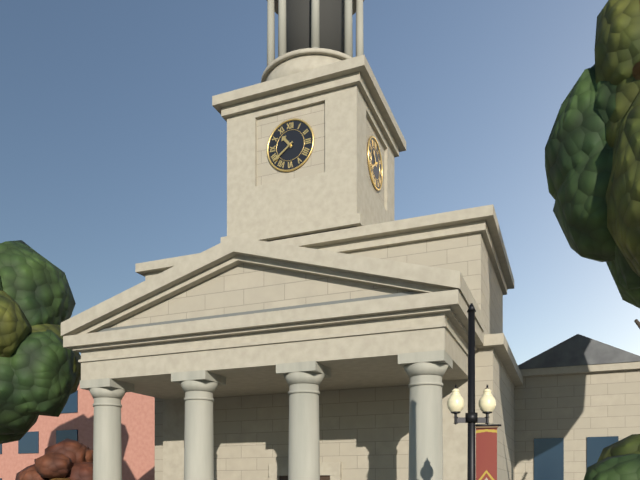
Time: {"hour": 10, "minute": 39}
